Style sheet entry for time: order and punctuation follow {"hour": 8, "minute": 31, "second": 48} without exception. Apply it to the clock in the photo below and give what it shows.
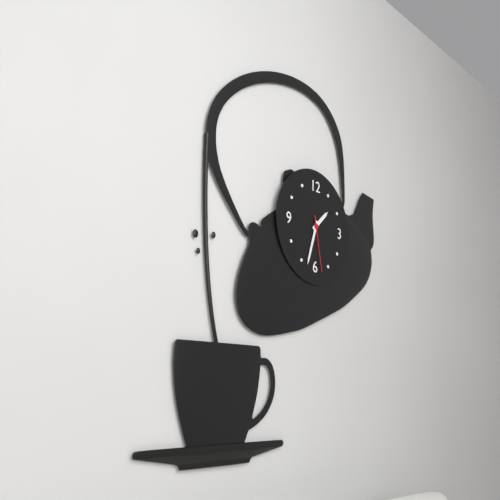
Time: {"hour": 1, "minute": 33, "second": 28}
